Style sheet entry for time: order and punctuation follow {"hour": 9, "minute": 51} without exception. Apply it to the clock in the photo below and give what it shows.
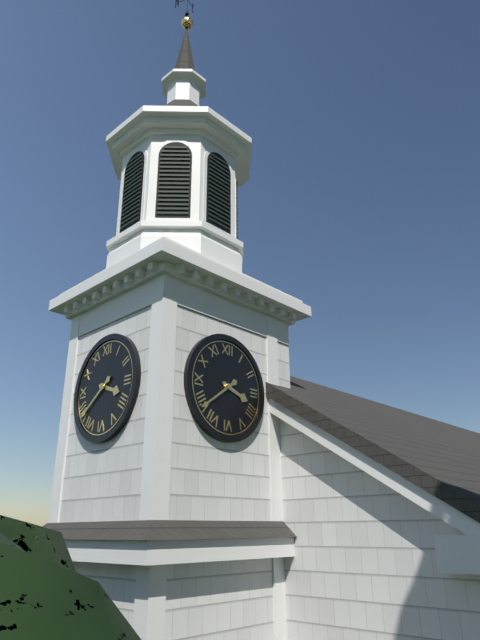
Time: {"hour": 3, "minute": 39}
